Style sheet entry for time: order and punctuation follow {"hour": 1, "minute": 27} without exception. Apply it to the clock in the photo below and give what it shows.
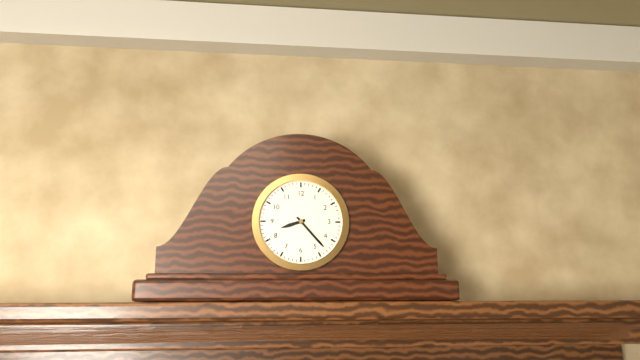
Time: {"hour": 8, "minute": 23}
